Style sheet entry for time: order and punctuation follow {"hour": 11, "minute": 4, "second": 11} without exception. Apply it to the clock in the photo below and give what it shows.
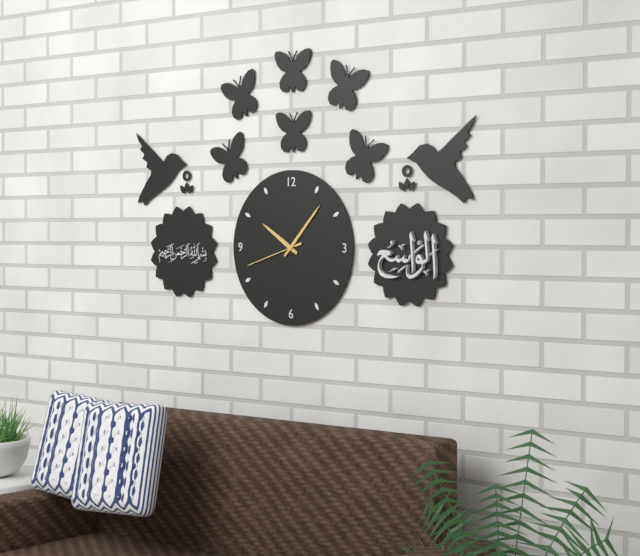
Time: {"hour": 10, "minute": 7, "second": 42}
